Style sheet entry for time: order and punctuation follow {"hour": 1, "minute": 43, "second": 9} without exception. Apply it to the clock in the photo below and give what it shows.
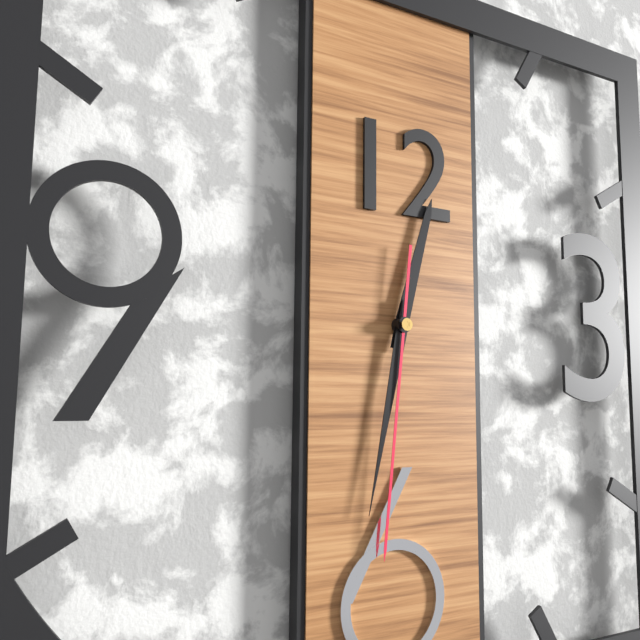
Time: {"hour": 12, "minute": 32, "second": 31}
